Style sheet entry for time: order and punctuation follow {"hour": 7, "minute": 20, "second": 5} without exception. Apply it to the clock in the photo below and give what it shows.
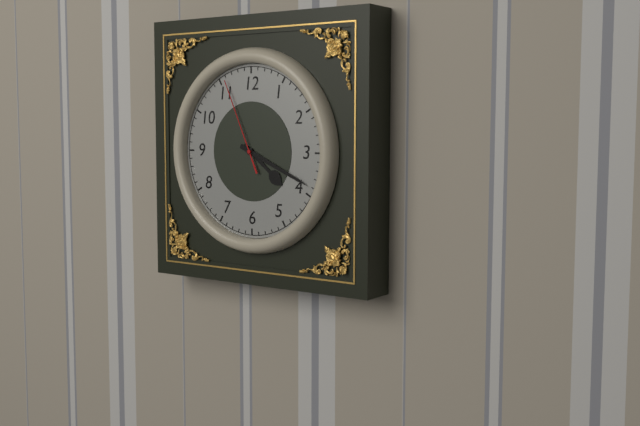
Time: {"hour": 4, "minute": 19, "second": 56}
